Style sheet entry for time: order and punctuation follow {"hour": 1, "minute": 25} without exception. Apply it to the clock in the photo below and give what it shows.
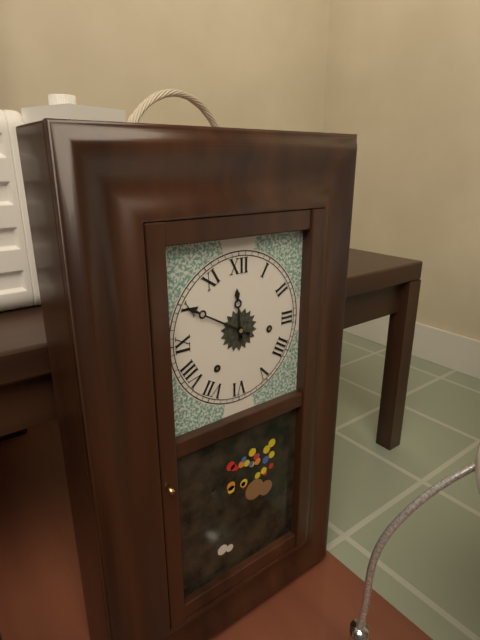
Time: {"hour": 11, "minute": 50}
